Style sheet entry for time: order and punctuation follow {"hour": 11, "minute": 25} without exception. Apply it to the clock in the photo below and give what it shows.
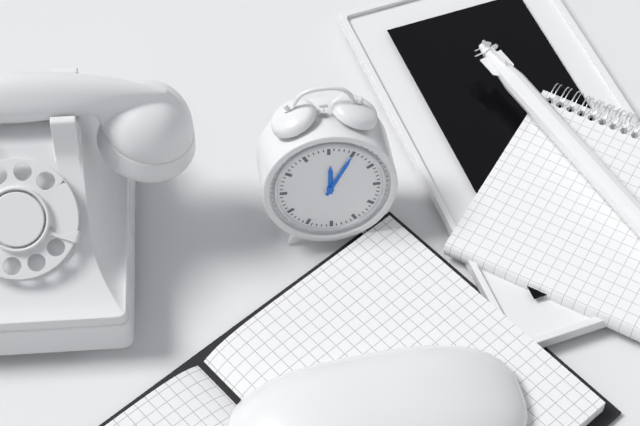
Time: {"hour": 12, "minute": 5}
